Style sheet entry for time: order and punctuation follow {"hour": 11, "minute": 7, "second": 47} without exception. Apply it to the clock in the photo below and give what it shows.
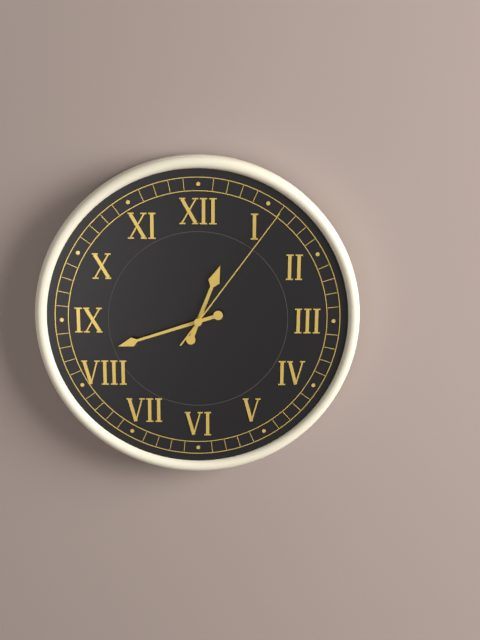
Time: {"hour": 12, "minute": 42, "second": 6}
